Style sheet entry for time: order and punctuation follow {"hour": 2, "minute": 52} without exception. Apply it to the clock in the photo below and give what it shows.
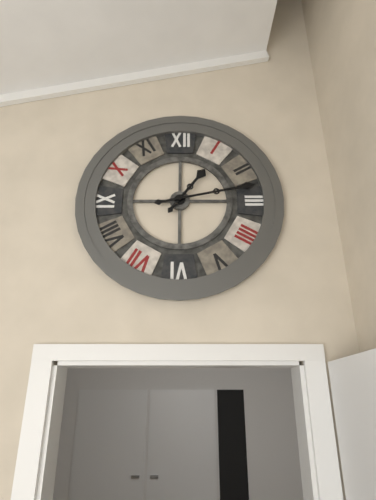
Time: {"hour": 1, "minute": 13}
